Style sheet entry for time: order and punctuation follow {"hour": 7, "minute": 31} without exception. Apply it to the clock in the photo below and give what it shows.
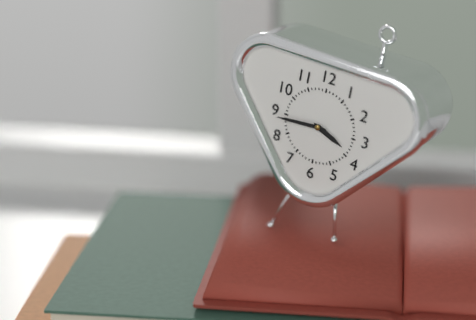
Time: {"hour": 3, "minute": 44}
